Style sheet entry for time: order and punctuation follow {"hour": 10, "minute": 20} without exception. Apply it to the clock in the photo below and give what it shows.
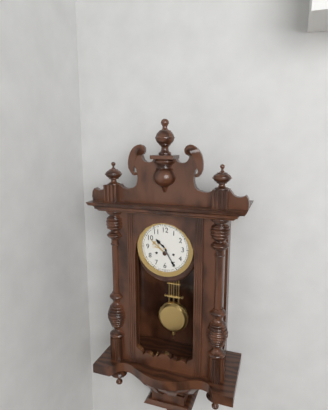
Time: {"hour": 10, "minute": 25}
